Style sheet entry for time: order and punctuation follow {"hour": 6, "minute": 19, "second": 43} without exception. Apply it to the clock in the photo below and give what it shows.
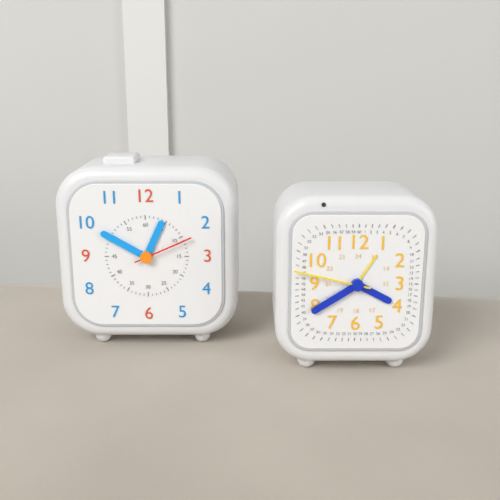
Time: {"hour": 12, "minute": 50, "second": 11}
